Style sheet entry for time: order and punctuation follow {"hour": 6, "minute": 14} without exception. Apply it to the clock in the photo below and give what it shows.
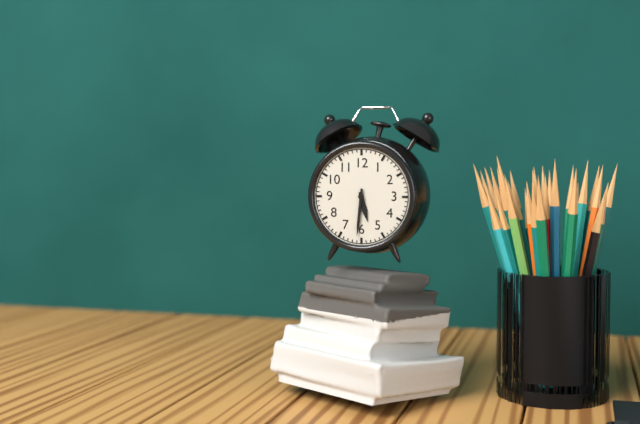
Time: {"hour": 5, "minute": 31}
